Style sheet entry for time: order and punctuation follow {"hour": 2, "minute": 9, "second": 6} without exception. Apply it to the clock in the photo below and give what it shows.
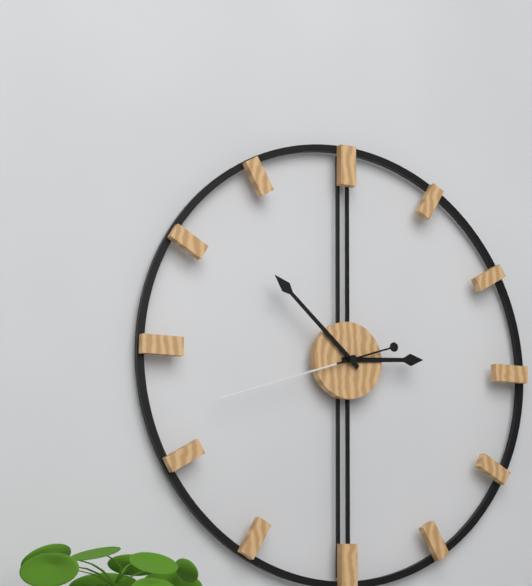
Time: {"hour": 2, "minute": 52, "second": 42}
